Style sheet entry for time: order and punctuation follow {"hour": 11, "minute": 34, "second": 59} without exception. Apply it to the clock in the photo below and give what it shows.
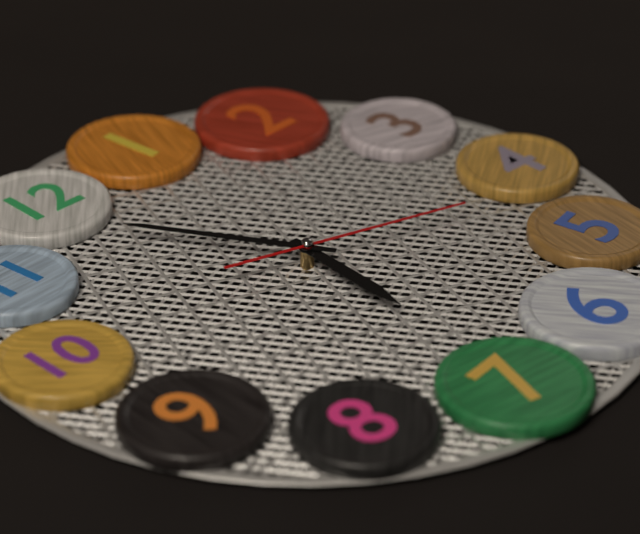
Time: {"hour": 6, "minute": 59, "second": 22}
